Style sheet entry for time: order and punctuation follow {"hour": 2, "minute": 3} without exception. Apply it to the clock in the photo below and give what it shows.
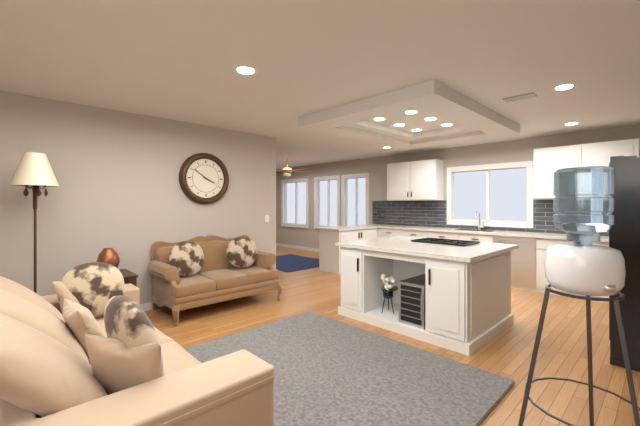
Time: {"hour": 3, "minute": 51}
